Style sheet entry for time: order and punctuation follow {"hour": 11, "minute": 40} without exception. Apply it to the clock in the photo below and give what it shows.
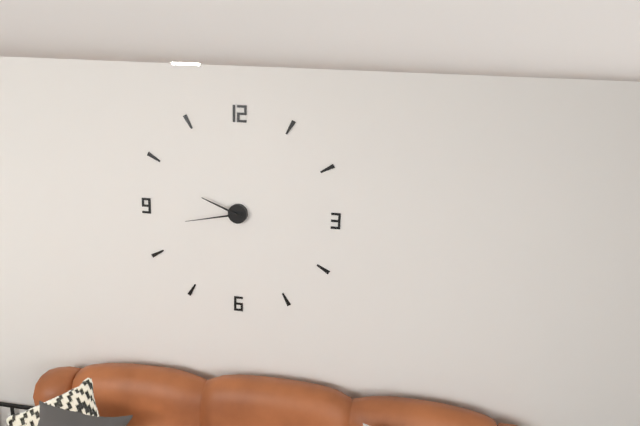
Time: {"hour": 9, "minute": 43}
